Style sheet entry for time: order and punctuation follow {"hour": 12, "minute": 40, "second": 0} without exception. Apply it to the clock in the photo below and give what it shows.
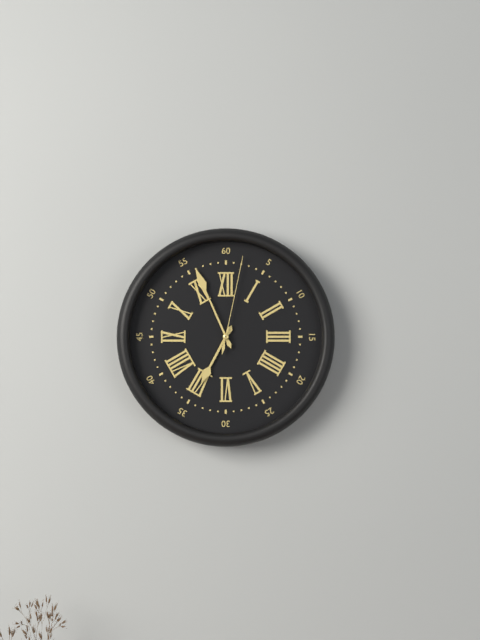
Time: {"hour": 6, "minute": 56, "second": 2}
